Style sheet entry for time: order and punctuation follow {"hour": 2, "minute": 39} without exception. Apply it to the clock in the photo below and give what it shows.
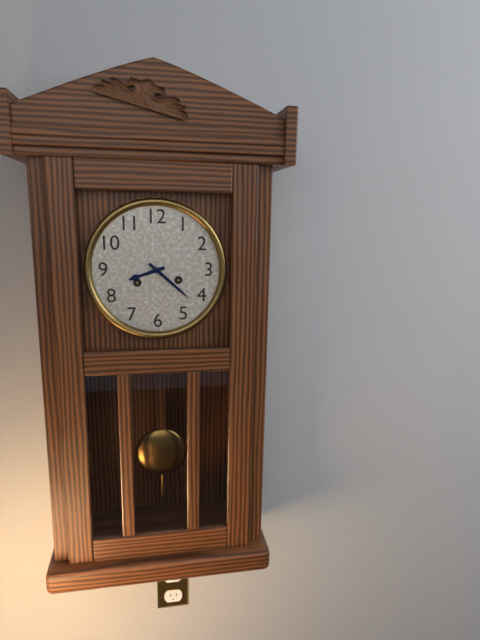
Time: {"hour": 8, "minute": 22}
